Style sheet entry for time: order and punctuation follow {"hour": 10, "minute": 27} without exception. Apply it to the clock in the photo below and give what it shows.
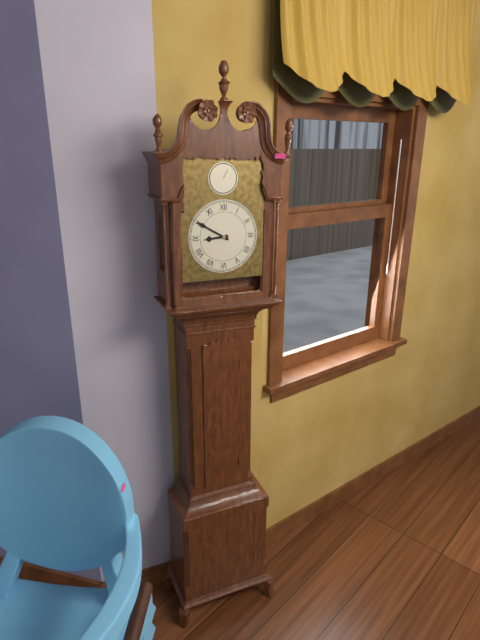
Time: {"hour": 8, "minute": 50}
